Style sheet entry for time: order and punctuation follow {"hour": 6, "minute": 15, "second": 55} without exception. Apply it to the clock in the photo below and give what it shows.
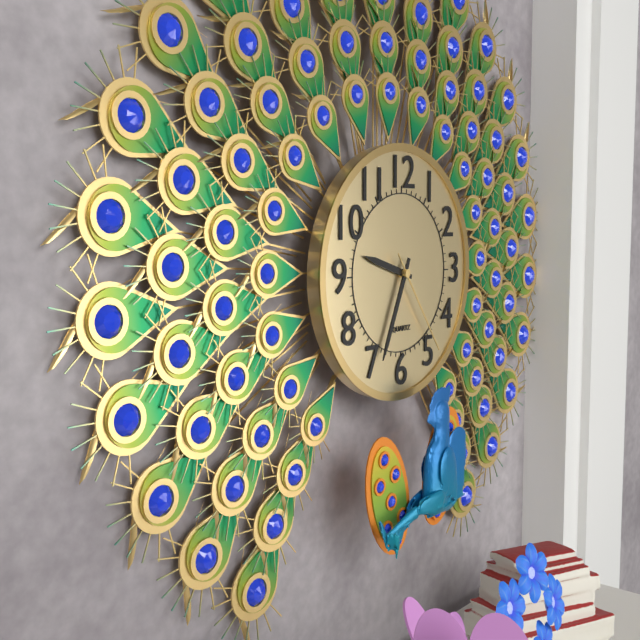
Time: {"hour": 9, "minute": 34, "second": 24}
